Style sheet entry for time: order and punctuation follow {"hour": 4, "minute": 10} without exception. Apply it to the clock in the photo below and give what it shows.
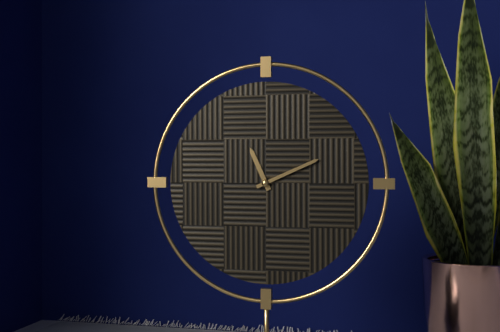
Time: {"hour": 11, "minute": 11}
